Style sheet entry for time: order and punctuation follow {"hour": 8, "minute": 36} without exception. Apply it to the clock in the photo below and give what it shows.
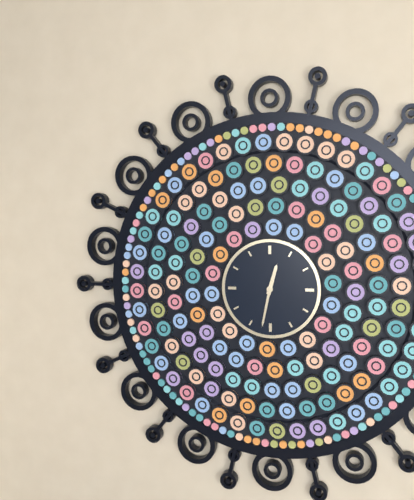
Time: {"hour": 12, "minute": 32}
